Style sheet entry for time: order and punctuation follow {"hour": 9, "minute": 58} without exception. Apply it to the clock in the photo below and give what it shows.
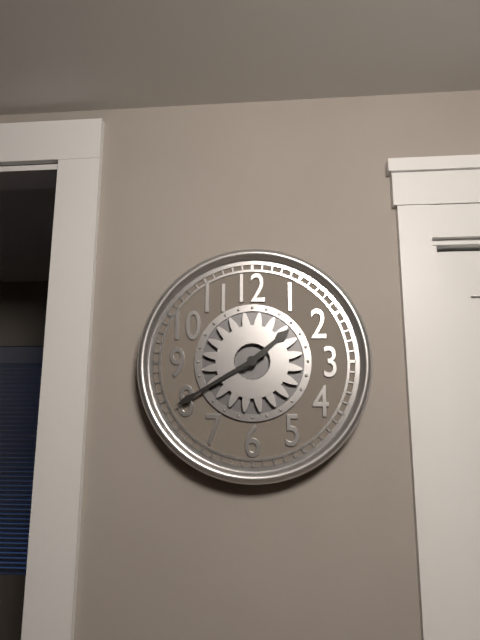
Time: {"hour": 1, "minute": 40}
